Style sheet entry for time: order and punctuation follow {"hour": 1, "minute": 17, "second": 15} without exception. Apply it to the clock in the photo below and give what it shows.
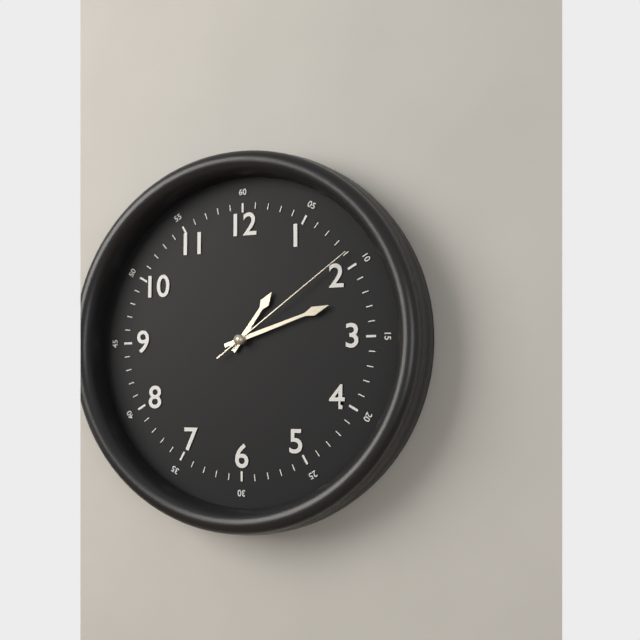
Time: {"hour": 1, "minute": 12, "second": 9}
